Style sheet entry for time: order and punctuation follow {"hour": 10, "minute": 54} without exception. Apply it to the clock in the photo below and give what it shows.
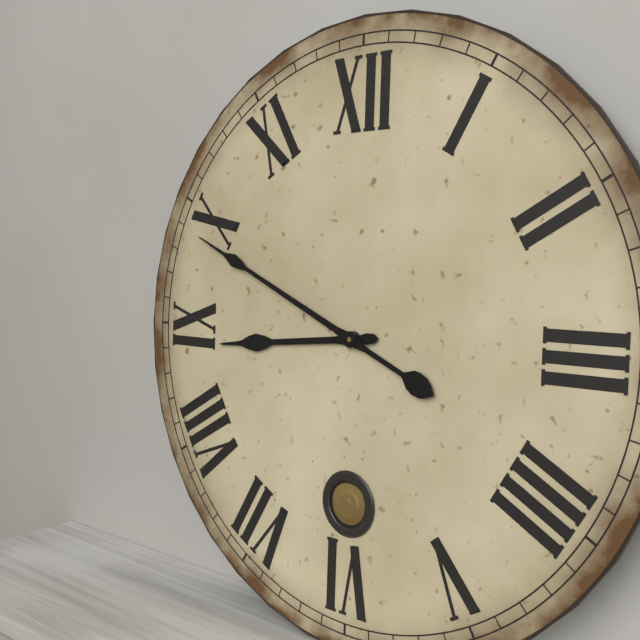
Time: {"hour": 8, "minute": 49}
